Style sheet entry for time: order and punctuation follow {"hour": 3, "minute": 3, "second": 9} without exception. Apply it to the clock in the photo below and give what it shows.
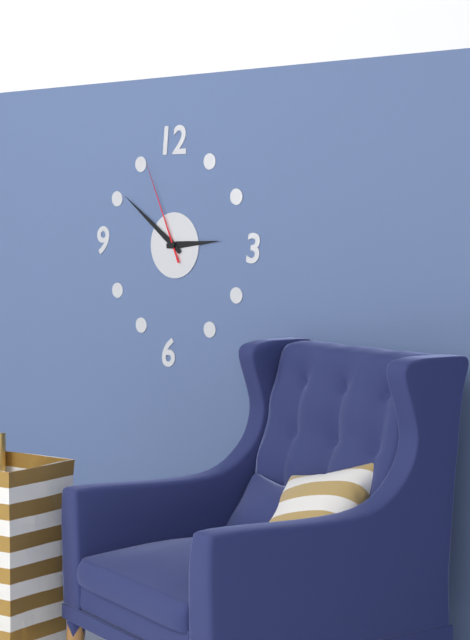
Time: {"hour": 2, "minute": 51, "second": 56}
